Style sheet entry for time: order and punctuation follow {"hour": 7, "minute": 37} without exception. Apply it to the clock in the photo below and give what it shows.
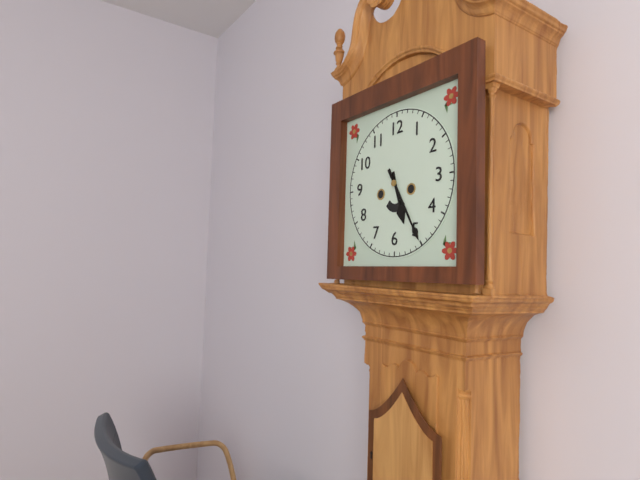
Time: {"hour": 5, "minute": 25}
